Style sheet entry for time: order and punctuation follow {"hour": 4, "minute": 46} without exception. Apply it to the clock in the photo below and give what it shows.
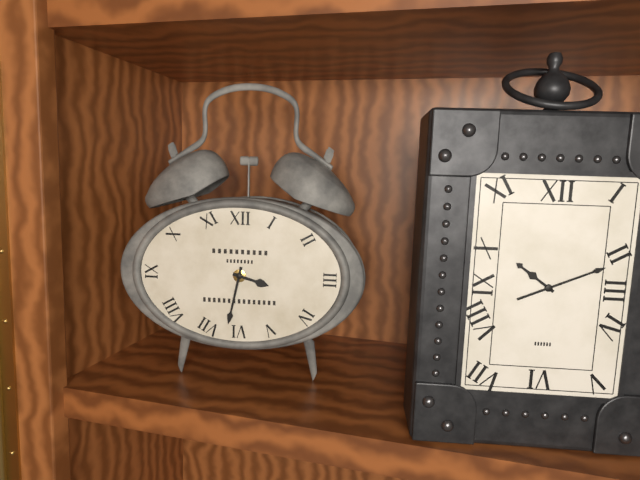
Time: {"hour": 3, "minute": 32}
